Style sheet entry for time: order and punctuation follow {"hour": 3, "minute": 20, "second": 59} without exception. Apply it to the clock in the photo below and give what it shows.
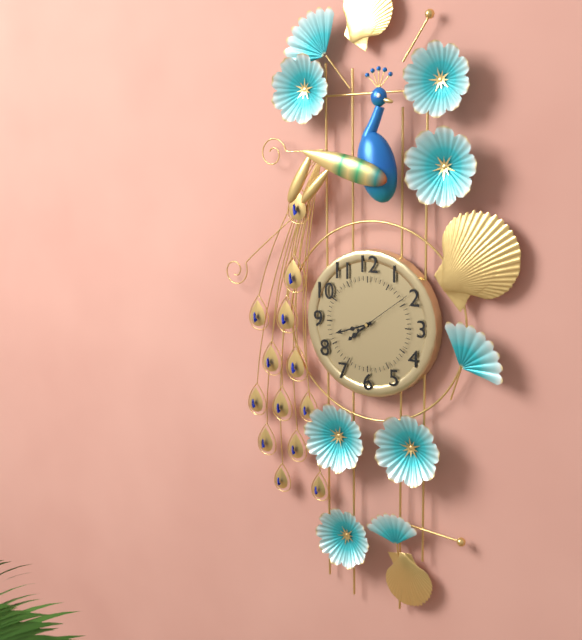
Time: {"hour": 7, "minute": 42, "second": 9}
